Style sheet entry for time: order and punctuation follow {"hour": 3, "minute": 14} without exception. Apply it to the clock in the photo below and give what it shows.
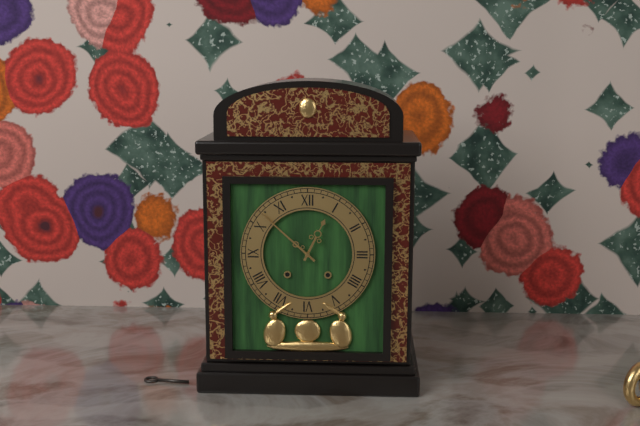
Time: {"hour": 12, "minute": 52}
